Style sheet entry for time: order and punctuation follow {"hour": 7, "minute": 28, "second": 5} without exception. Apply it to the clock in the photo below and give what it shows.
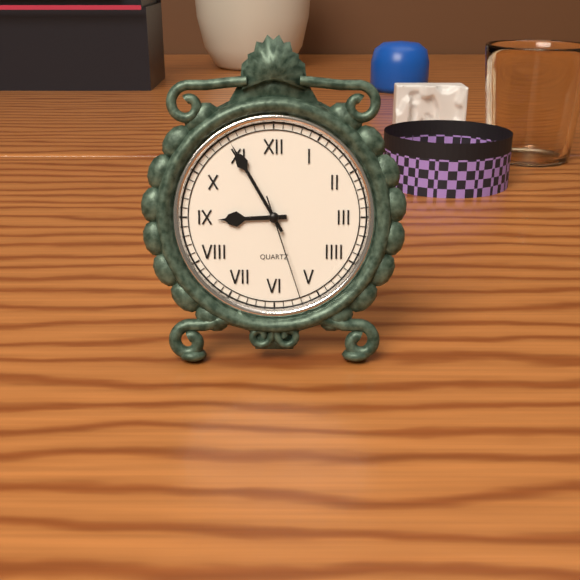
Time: {"hour": 8, "minute": 55, "second": 27}
